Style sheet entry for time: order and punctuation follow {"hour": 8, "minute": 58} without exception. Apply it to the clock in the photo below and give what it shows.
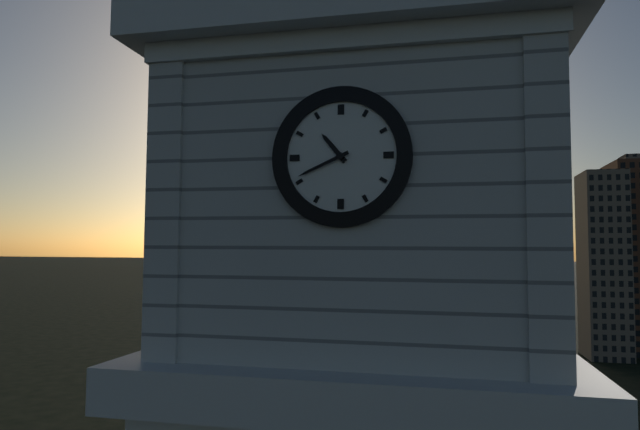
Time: {"hour": 10, "minute": 41}
